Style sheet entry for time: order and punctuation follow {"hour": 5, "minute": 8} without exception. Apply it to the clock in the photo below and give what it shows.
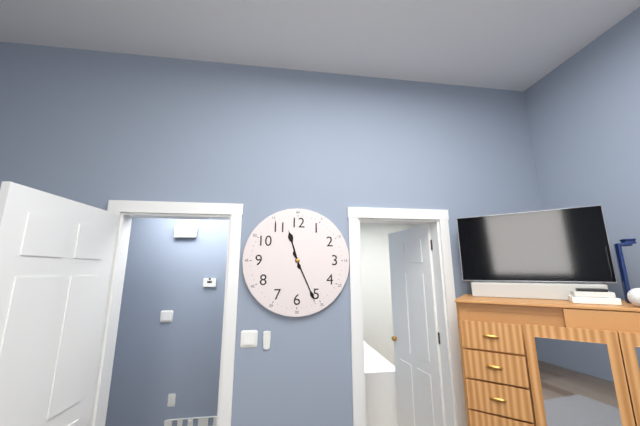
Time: {"hour": 11, "minute": 26}
